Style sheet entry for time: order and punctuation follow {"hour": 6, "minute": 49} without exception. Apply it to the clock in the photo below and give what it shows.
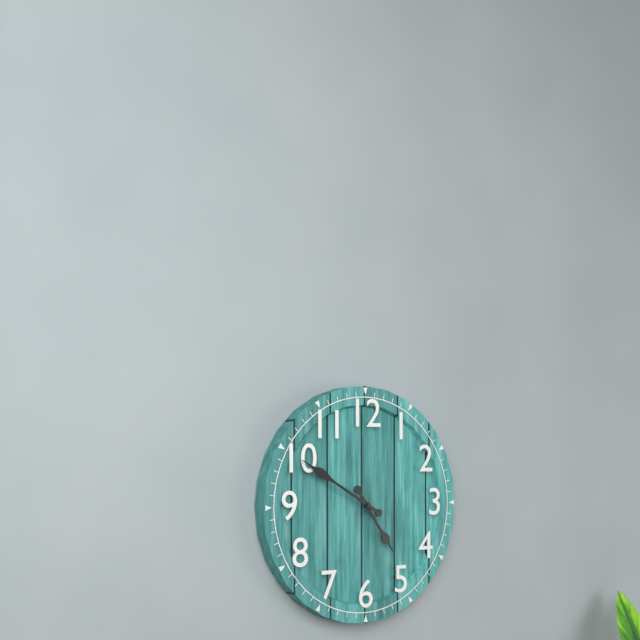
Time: {"hour": 4, "minute": 50}
